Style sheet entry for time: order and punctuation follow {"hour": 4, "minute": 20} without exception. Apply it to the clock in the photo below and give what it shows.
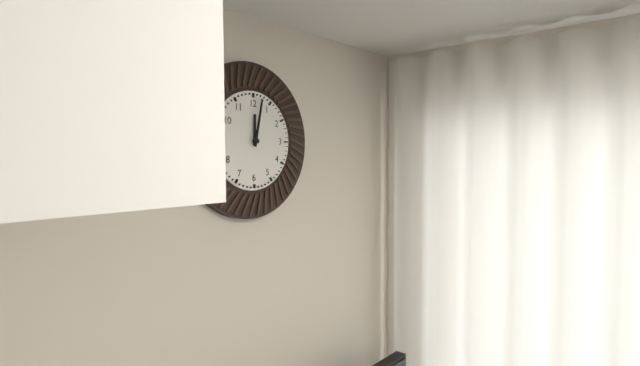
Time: {"hour": 12, "minute": 2}
